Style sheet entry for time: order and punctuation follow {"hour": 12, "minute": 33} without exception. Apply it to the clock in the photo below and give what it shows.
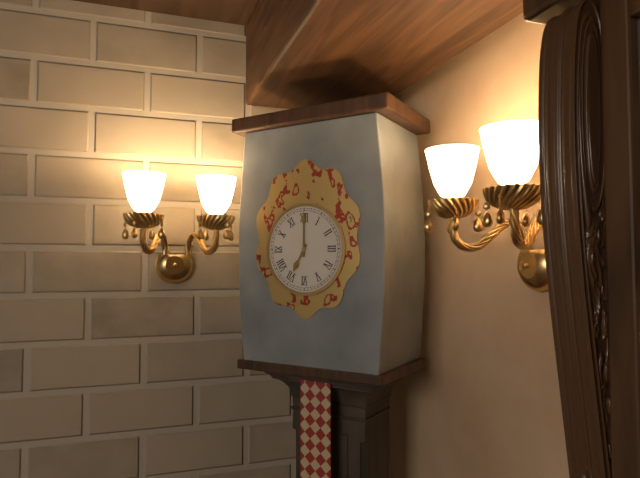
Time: {"hour": 7, "minute": 0}
